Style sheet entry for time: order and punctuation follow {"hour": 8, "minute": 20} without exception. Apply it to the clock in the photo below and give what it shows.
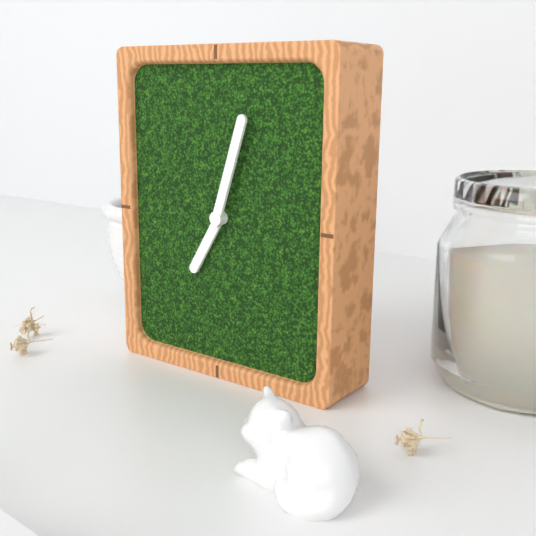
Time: {"hour": 7, "minute": 3}
